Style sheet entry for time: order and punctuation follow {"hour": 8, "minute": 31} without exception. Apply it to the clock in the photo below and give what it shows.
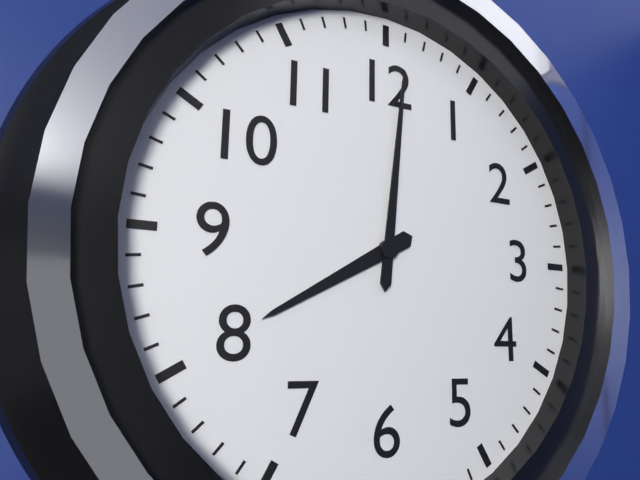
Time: {"hour": 8, "minute": 1}
